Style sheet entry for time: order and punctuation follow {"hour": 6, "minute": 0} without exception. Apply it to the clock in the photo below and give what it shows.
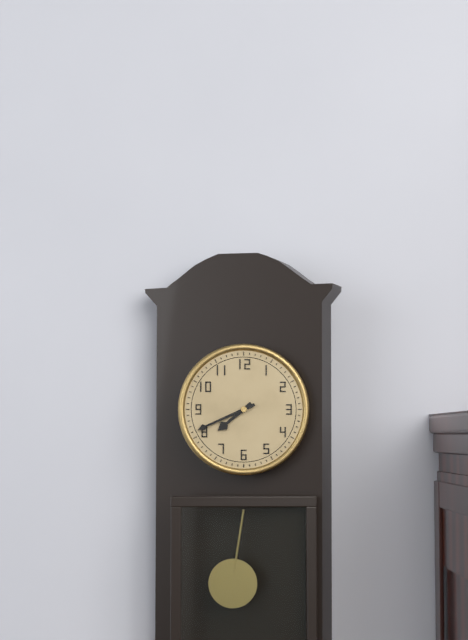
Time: {"hour": 7, "minute": 41}
